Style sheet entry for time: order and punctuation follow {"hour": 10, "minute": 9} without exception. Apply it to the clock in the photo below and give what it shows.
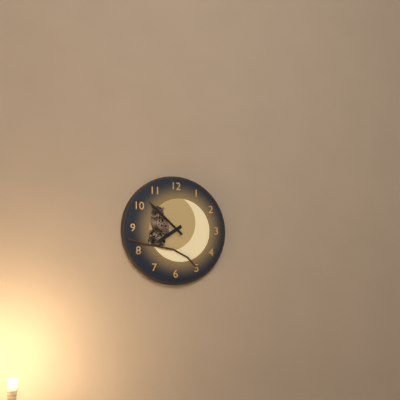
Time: {"hour": 7, "minute": 52}
